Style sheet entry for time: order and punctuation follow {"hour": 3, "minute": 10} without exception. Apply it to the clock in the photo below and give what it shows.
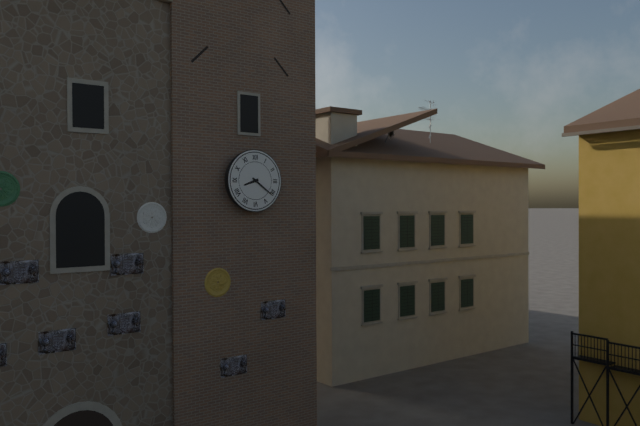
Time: {"hour": 8, "minute": 21}
